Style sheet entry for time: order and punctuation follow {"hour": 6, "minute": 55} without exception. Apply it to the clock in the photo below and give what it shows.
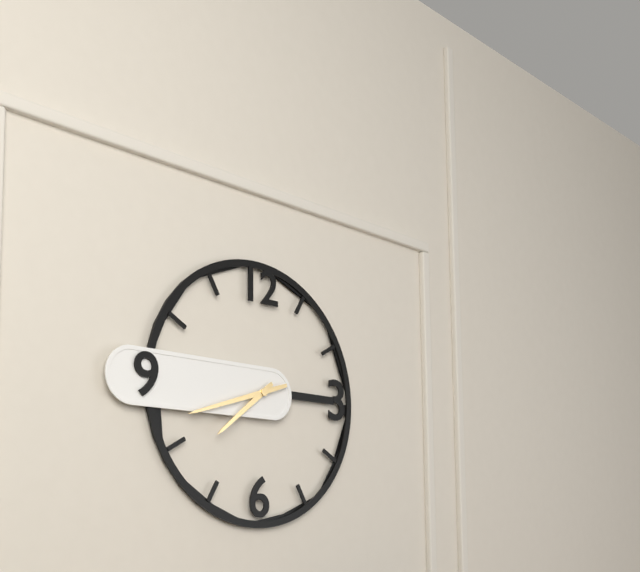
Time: {"hour": 7, "minute": 42}
